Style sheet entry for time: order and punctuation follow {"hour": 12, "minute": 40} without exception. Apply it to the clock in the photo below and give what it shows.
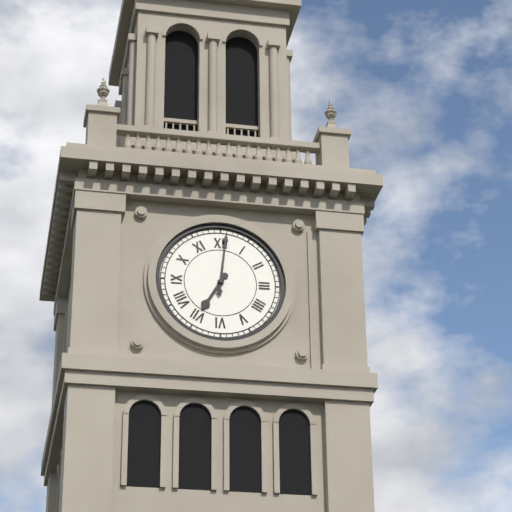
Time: {"hour": 7, "minute": 1}
